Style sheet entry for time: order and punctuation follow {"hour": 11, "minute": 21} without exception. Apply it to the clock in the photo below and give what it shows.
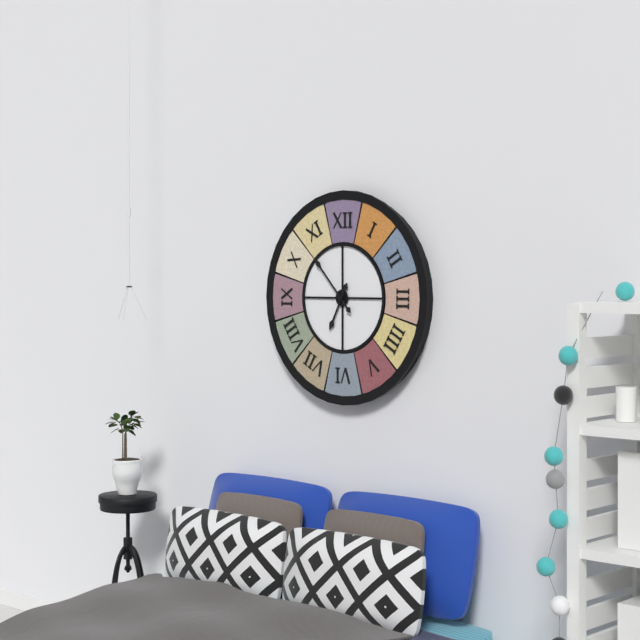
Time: {"hour": 6, "minute": 53}
